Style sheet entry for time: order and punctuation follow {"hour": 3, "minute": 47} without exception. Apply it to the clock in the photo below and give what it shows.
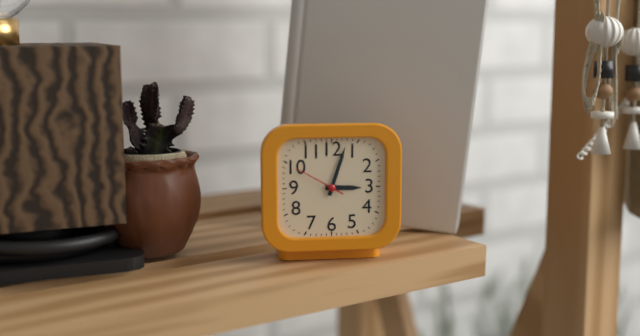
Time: {"hour": 3, "minute": 3}
